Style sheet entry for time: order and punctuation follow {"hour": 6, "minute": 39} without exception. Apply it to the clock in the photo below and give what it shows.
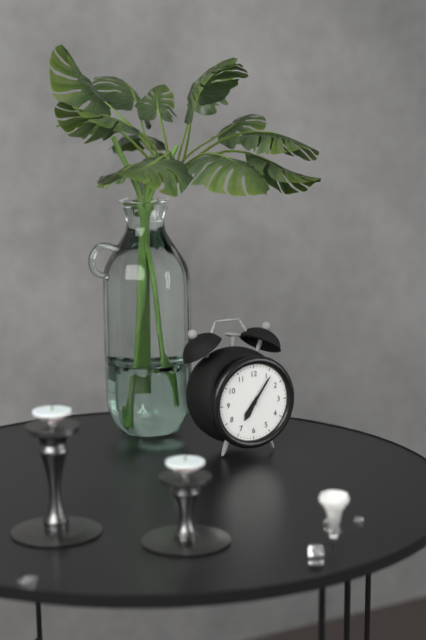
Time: {"hour": 7, "minute": 6}
